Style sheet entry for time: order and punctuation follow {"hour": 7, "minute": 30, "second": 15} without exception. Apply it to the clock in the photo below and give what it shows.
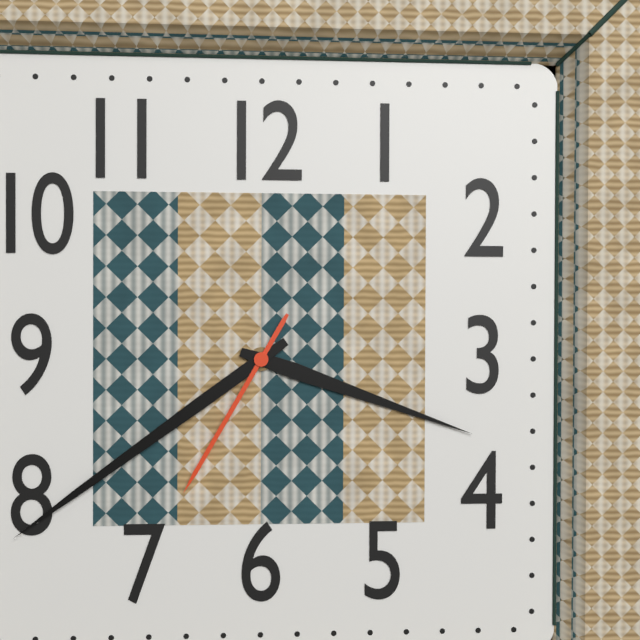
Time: {"hour": 3, "minute": 39, "second": 35}
